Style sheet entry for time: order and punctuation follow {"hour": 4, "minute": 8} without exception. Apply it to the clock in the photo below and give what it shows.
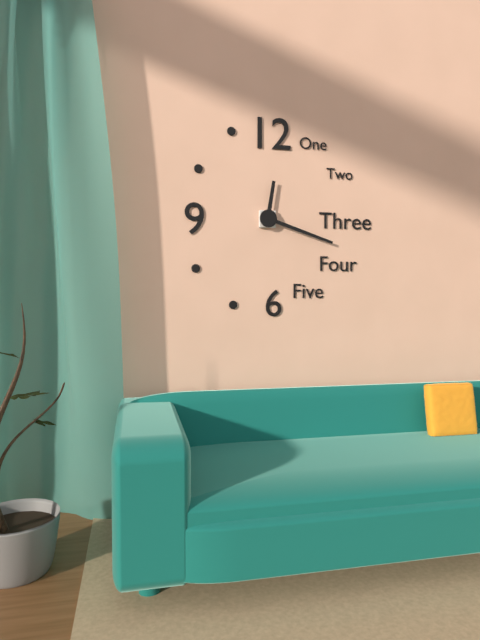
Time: {"hour": 12, "minute": 18}
